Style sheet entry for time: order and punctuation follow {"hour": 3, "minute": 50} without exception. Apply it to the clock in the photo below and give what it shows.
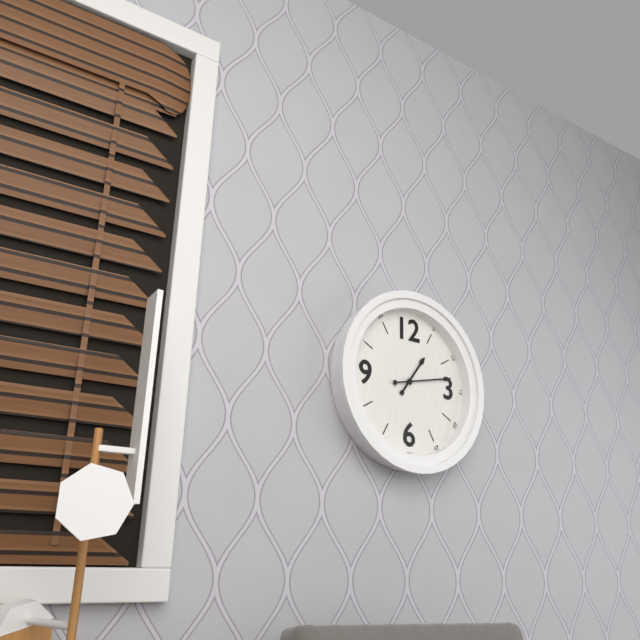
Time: {"hour": 1, "minute": 13}
